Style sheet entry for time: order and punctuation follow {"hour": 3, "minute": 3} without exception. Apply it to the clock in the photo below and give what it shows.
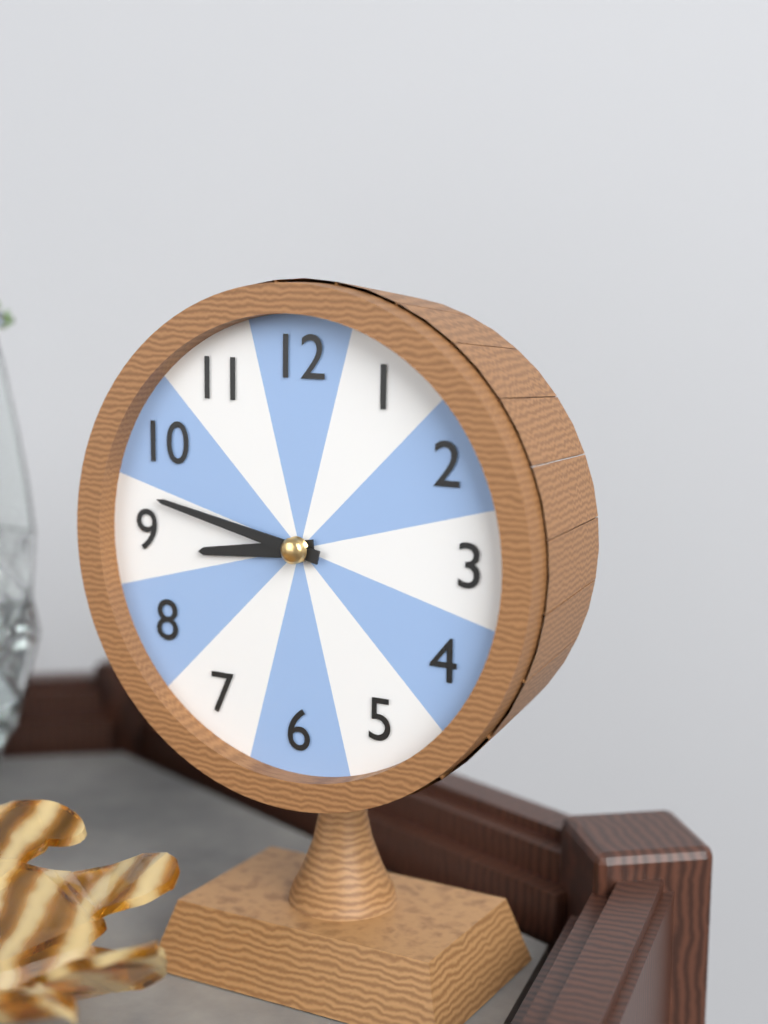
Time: {"hour": 8, "minute": 47}
